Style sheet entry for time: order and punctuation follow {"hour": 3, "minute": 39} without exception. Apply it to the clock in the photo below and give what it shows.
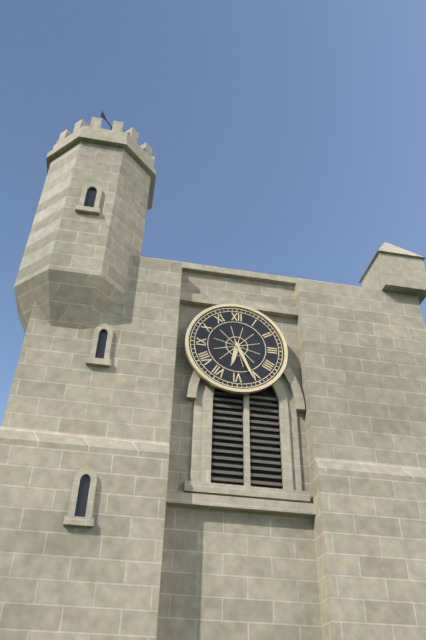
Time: {"hour": 6, "minute": 26}
